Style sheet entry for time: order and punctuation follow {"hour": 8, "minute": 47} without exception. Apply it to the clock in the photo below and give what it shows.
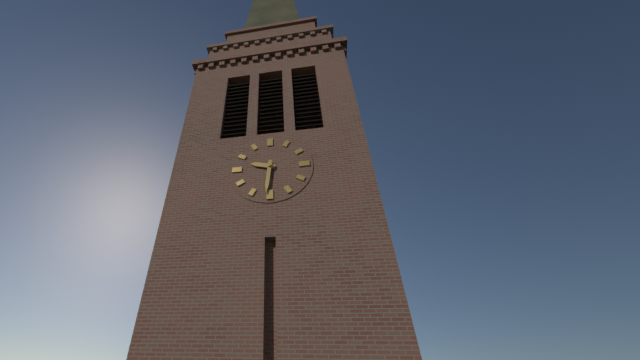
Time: {"hour": 9, "minute": 31}
